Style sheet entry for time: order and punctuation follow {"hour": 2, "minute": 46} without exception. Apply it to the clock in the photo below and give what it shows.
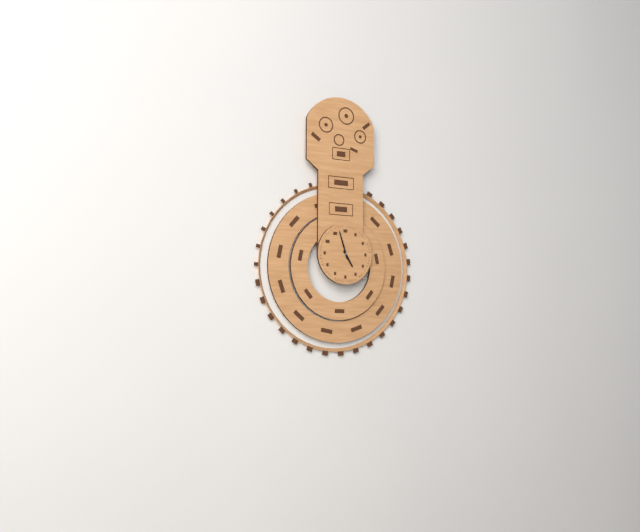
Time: {"hour": 4, "minute": 57}
